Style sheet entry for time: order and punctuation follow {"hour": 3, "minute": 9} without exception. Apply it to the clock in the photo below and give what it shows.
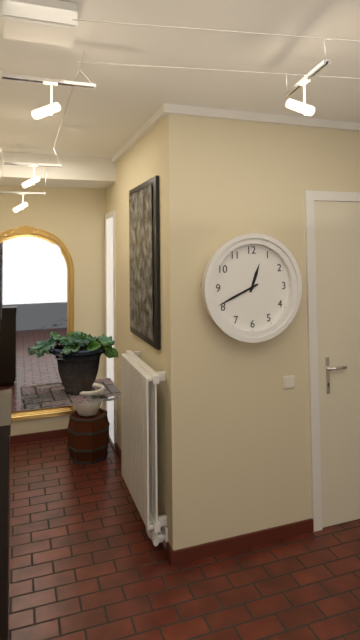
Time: {"hour": 12, "minute": 41}
